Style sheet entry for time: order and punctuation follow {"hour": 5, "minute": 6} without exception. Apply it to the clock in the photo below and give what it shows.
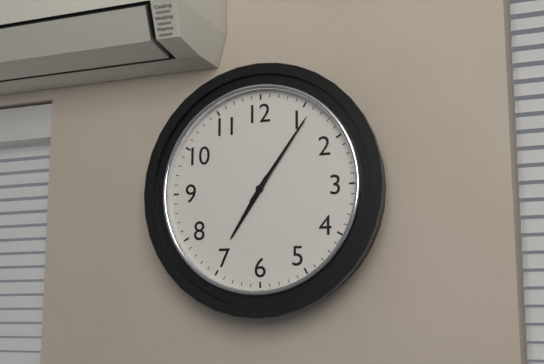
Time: {"hour": 7, "minute": 6}
